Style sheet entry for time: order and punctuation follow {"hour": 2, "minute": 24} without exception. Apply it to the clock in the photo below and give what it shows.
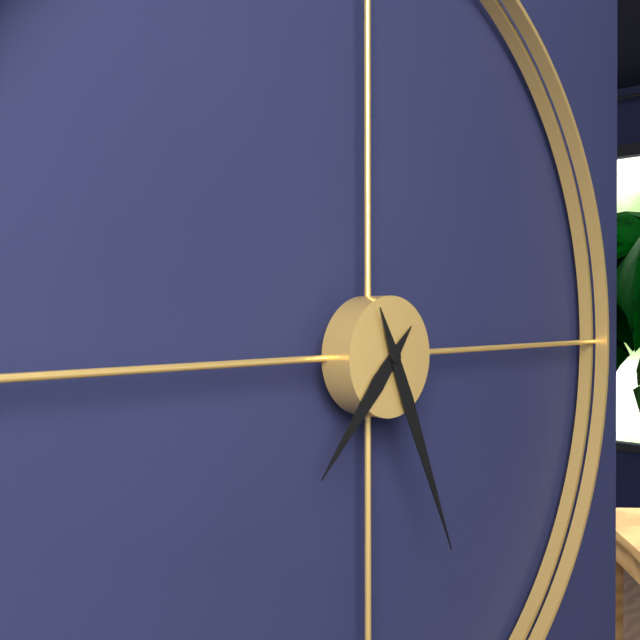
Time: {"hour": 7, "minute": 26}
